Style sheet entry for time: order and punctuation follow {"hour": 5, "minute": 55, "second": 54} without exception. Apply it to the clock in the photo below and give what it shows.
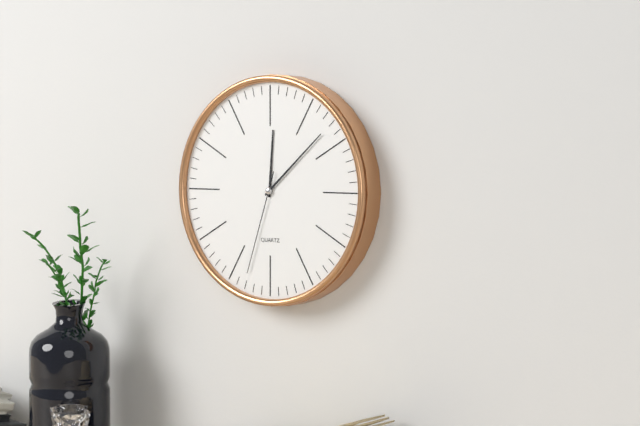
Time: {"hour": 12, "minute": 8, "second": 33}
